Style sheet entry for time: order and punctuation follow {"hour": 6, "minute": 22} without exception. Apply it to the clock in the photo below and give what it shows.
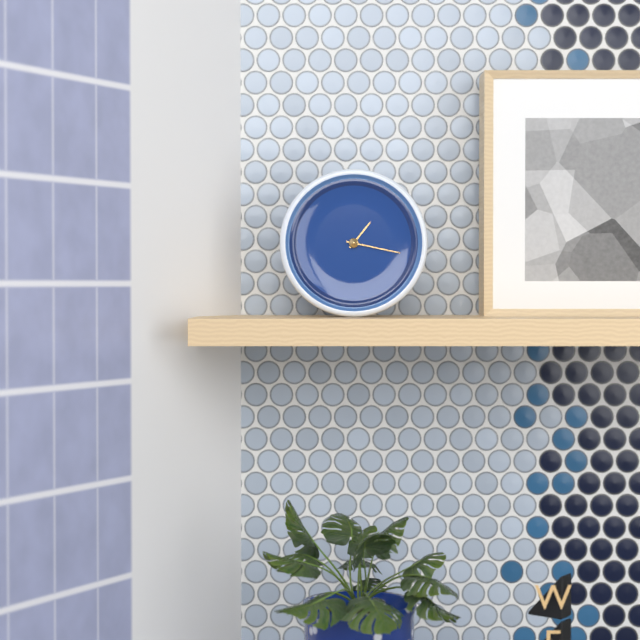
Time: {"hour": 1, "minute": 17}
